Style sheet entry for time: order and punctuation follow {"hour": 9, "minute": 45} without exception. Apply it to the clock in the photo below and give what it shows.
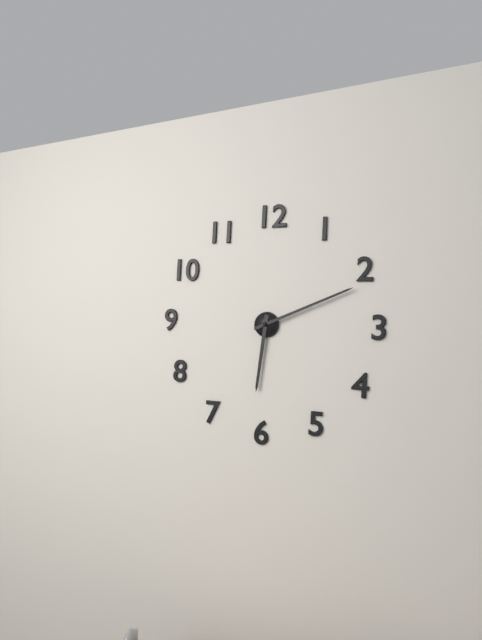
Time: {"hour": 6, "minute": 11}
